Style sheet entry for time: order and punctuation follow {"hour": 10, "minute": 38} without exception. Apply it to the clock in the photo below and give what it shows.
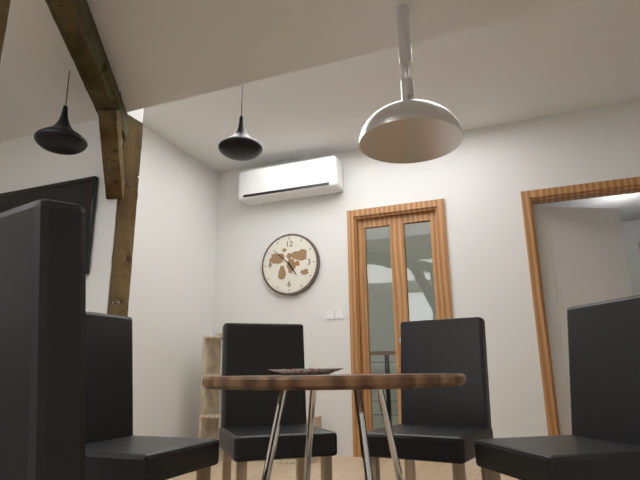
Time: {"hour": 4, "minute": 52}
